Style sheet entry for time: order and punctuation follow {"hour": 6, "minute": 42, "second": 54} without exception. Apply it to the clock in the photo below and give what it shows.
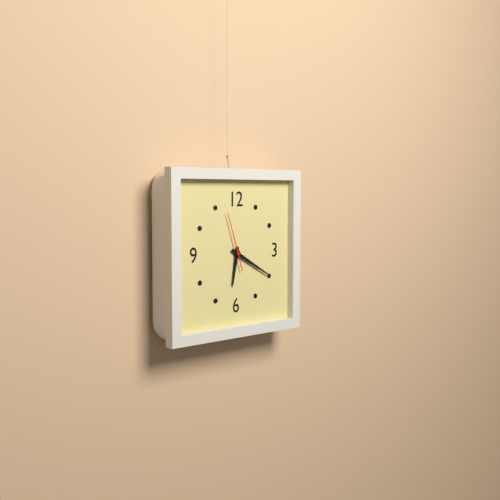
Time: {"hour": 6, "minute": 20, "second": 57}
